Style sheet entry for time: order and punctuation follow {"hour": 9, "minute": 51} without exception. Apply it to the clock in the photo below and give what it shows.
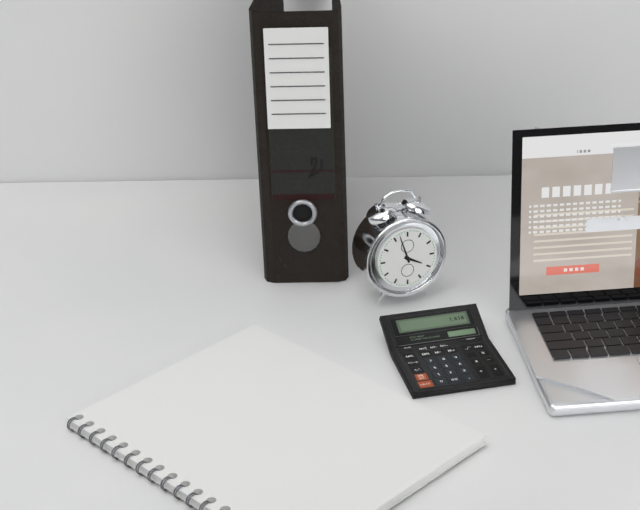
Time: {"hour": 3, "minute": 57}
